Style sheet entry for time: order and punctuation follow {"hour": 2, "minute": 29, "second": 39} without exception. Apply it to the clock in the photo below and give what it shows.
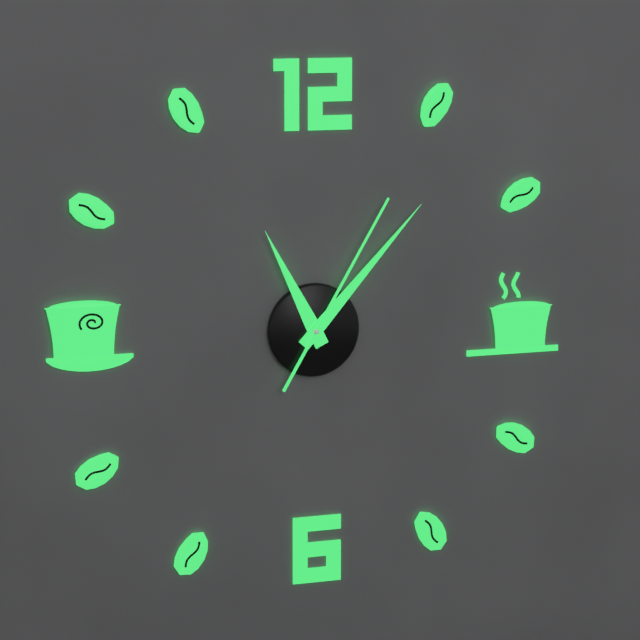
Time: {"hour": 11, "minute": 7, "second": 5}
